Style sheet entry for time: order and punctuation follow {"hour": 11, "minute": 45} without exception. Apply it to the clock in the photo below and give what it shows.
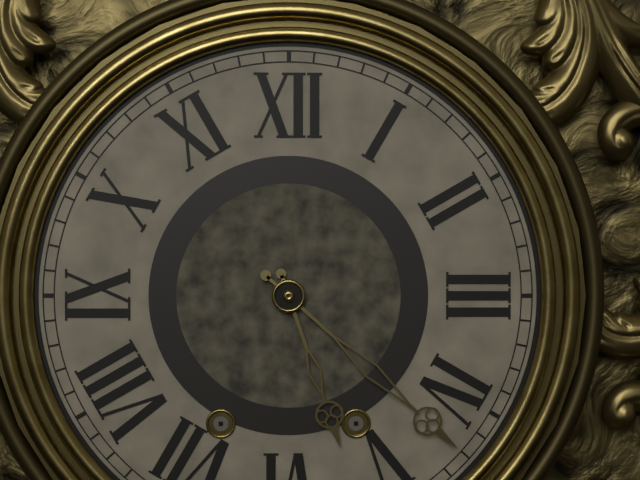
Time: {"hour": 5, "minute": 22}
